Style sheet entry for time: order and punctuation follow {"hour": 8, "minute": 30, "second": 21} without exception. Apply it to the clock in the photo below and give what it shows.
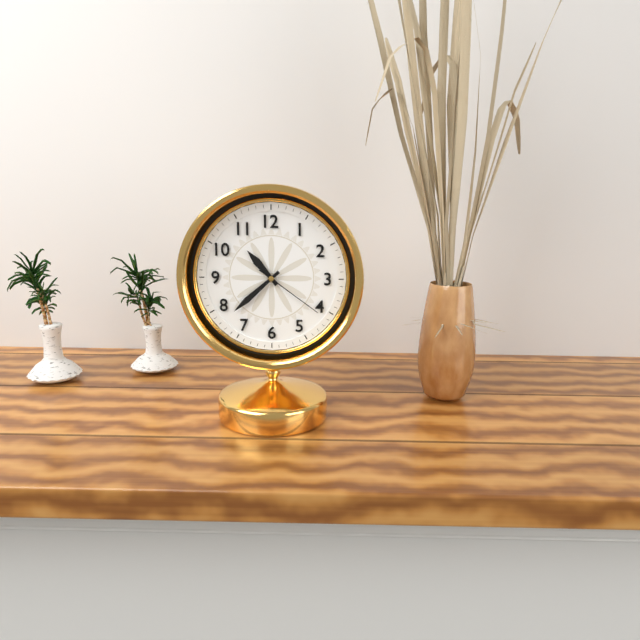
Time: {"hour": 10, "minute": 38, "second": 21}
